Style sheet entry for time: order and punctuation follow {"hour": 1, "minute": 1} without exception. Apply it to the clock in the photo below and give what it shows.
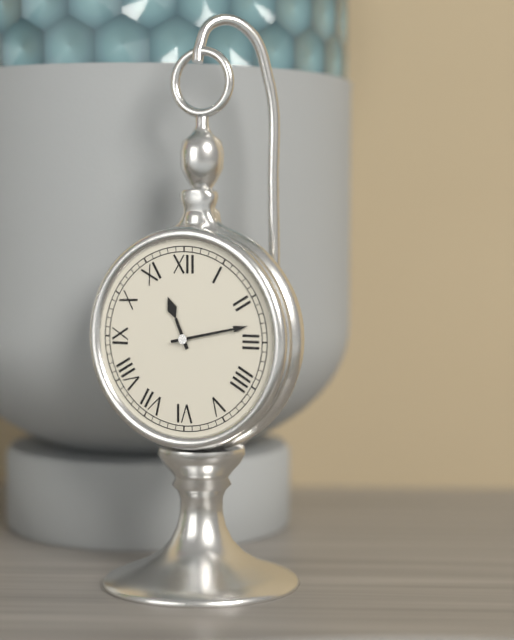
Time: {"hour": 11, "minute": 13}
